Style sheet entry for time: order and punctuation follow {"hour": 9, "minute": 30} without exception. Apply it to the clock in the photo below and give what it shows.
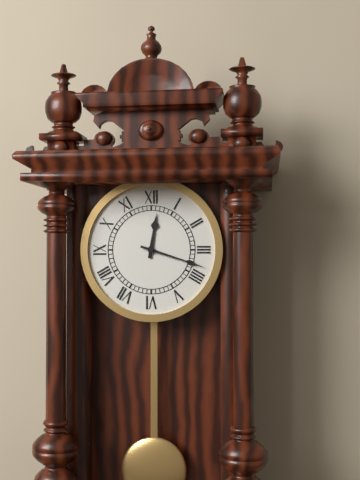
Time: {"hour": 12, "minute": 18}
